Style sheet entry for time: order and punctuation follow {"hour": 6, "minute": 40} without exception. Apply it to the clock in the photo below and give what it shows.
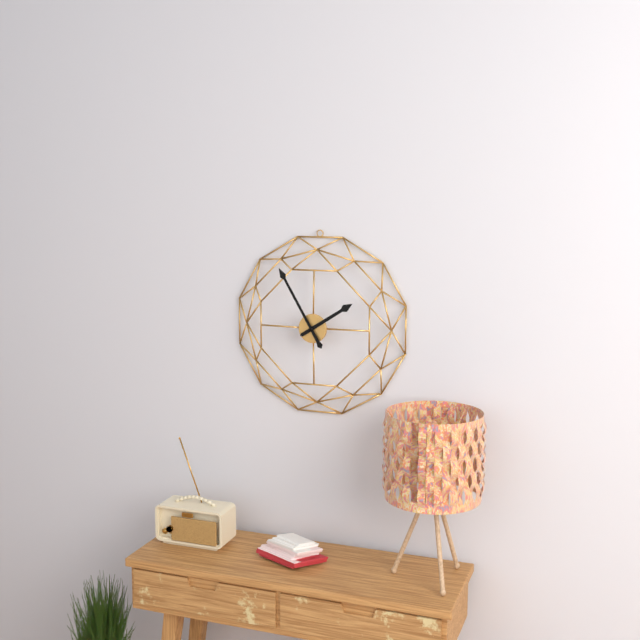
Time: {"hour": 1, "minute": 55}
